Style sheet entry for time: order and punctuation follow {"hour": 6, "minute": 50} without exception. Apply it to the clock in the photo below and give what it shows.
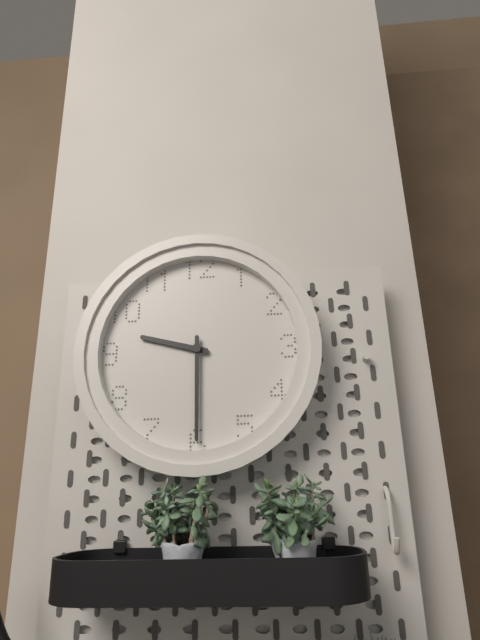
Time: {"hour": 9, "minute": 30}
